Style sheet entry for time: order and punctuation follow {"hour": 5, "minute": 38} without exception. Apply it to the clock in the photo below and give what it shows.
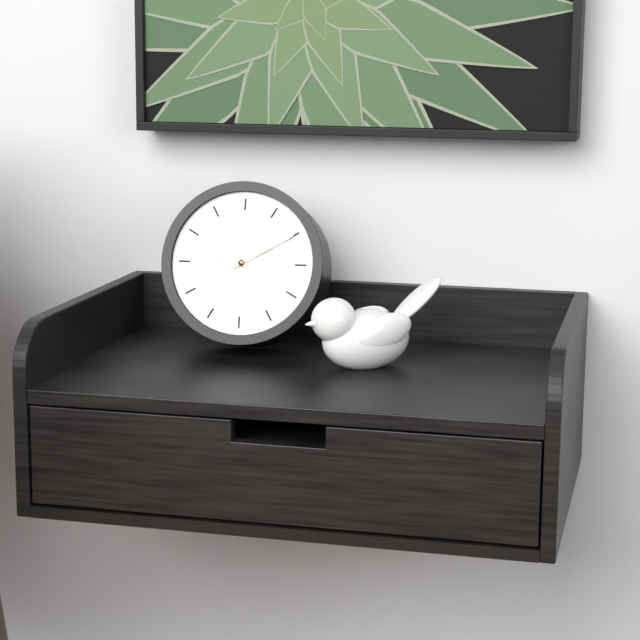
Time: {"hour": 10, "minute": 10}
